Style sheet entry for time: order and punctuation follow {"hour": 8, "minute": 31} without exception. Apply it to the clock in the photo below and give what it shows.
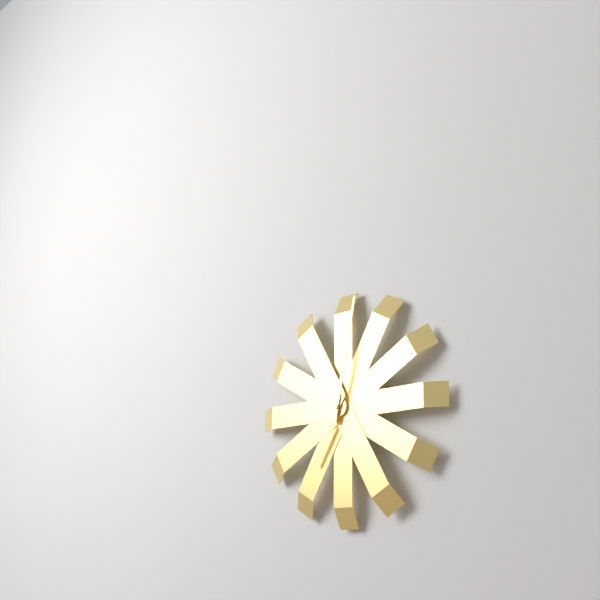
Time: {"hour": 7, "minute": 2}
